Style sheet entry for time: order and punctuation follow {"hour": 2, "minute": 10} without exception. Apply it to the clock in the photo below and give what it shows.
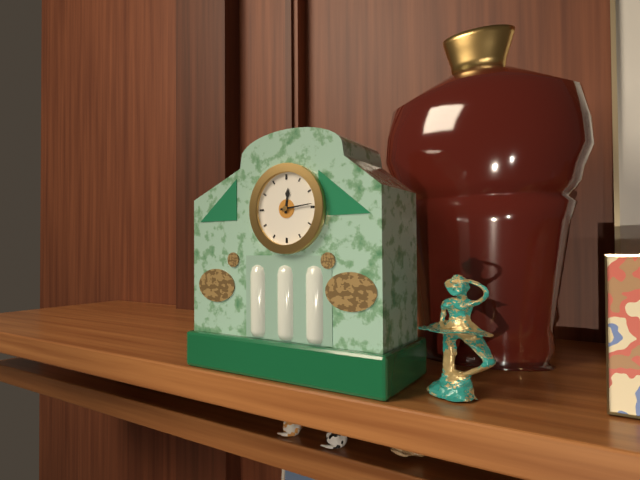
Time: {"hour": 12, "minute": 14}
